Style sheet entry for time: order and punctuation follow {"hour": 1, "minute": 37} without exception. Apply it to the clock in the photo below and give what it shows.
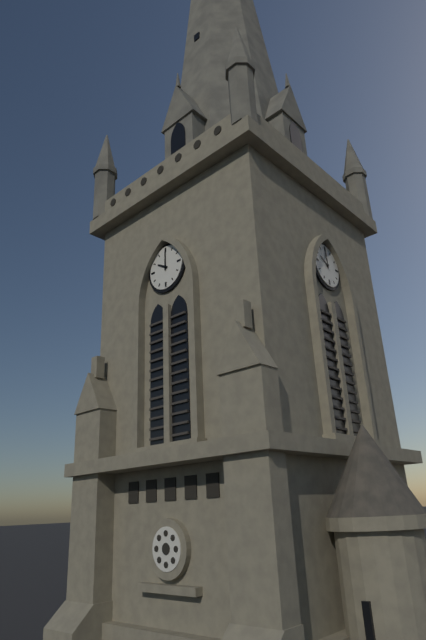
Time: {"hour": 10, "minute": 0}
